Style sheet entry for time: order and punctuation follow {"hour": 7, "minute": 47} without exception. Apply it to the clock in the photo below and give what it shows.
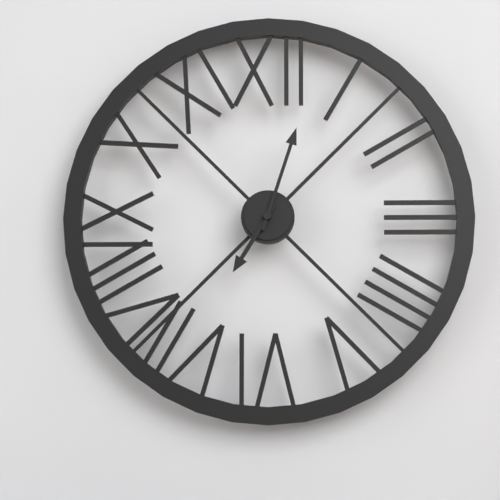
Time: {"hour": 7, "minute": 3}
